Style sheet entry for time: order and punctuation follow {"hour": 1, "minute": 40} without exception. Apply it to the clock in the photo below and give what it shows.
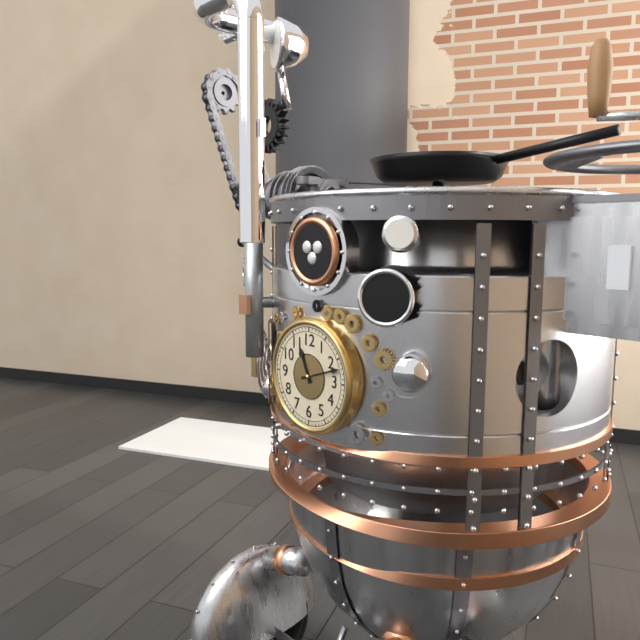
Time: {"hour": 11, "minute": 12}
